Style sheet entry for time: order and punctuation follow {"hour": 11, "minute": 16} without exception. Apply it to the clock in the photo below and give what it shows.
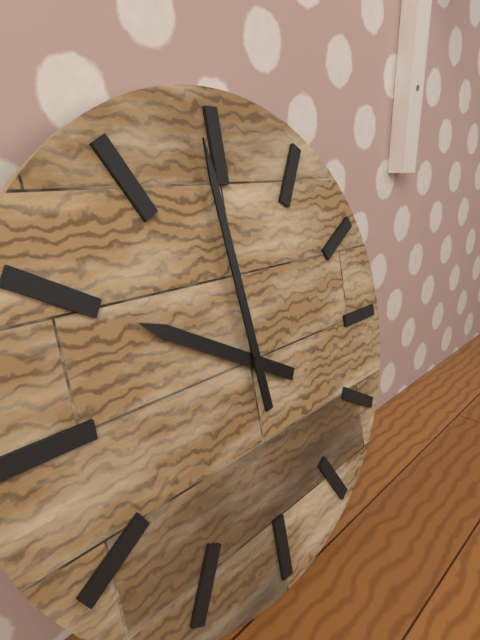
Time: {"hour": 9, "minute": 59}
